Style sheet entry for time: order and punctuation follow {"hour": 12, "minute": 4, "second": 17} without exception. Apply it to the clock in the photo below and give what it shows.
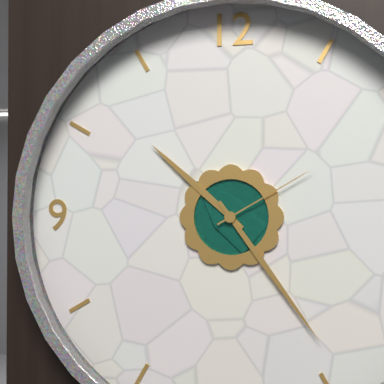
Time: {"hour": 10, "minute": 24, "second": 10}
